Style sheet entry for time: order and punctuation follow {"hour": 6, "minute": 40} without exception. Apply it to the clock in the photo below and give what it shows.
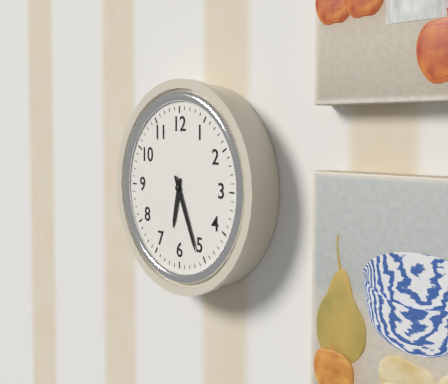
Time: {"hour": 6, "minute": 26}
